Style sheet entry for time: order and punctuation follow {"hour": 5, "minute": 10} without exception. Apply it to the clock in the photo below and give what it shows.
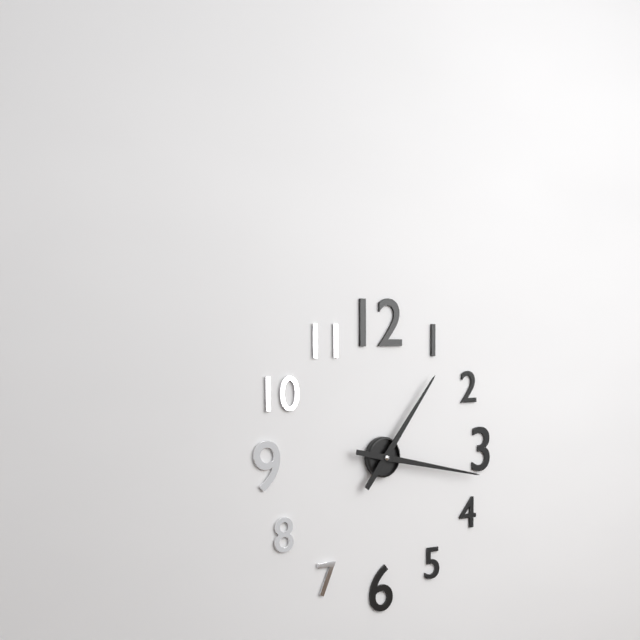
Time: {"hour": 1, "minute": 17}
